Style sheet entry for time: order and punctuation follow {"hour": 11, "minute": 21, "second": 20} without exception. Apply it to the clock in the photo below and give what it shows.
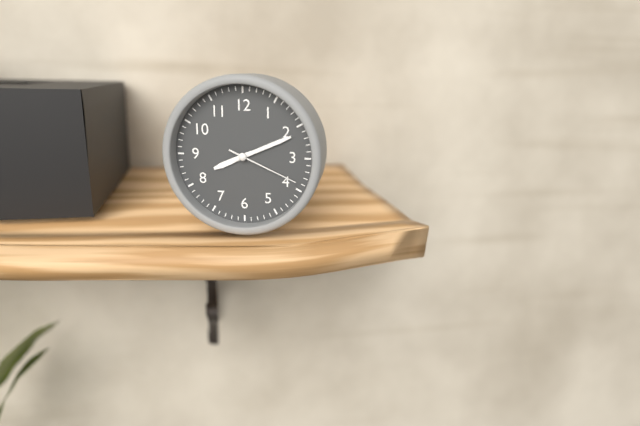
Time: {"hour": 8, "minute": 11, "second": 19}
